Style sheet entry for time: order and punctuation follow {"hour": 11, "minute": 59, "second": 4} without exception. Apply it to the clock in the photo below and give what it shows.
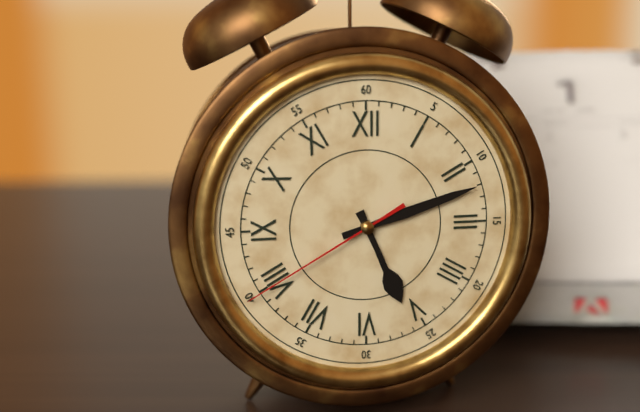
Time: {"hour": 5, "minute": 12, "second": 40}
